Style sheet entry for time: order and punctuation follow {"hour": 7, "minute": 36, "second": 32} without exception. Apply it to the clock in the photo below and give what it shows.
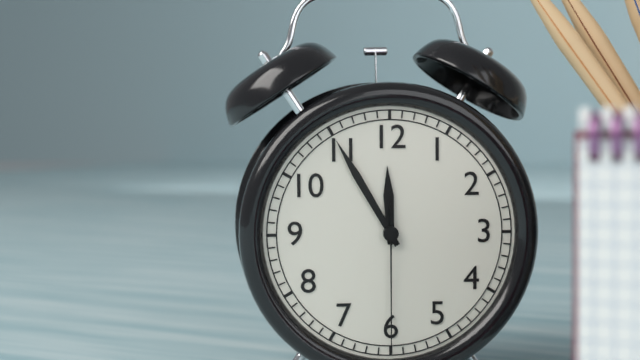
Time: {"hour": 11, "minute": 55, "second": 30}
